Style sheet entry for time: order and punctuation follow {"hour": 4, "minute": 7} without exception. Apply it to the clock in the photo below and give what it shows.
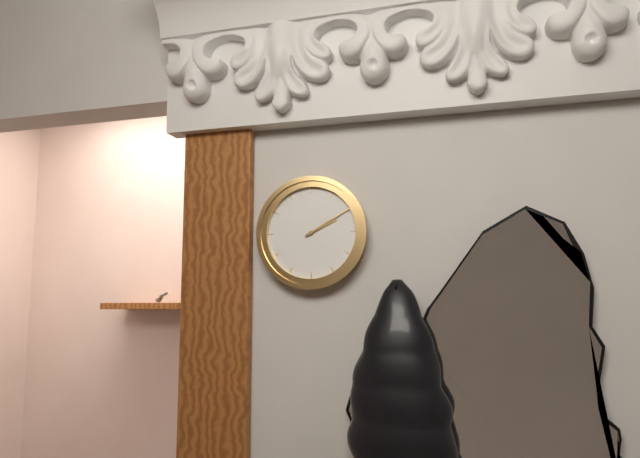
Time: {"hour": 2, "minute": 10}
